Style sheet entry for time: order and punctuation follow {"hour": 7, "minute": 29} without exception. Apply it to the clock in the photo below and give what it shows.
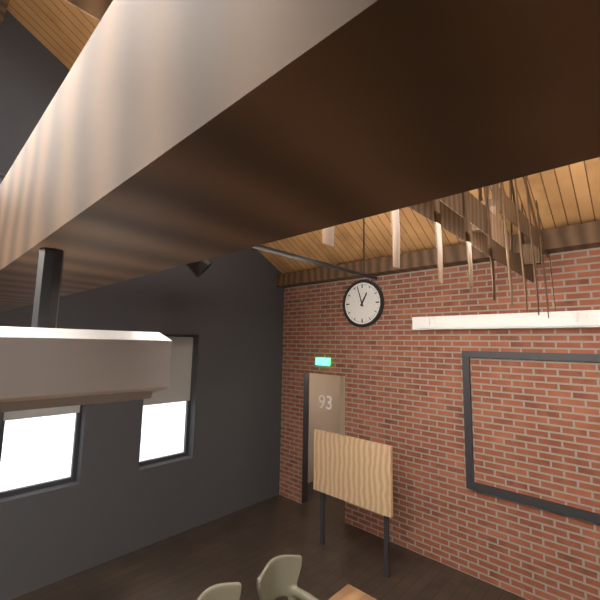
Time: {"hour": 12, "minute": 57}
